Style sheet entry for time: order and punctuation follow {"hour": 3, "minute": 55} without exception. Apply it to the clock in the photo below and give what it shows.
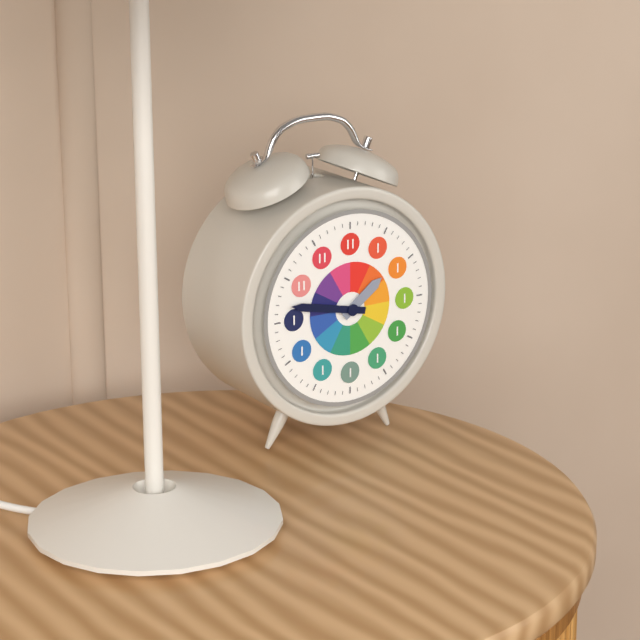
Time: {"hour": 1, "minute": 47}
